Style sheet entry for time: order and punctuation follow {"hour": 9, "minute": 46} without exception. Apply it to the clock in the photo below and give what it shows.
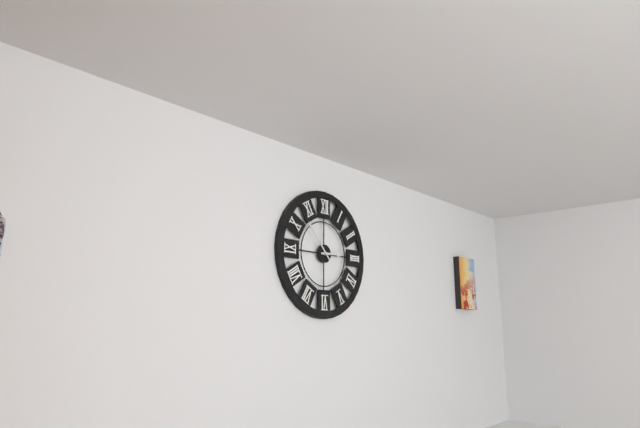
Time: {"hour": 2, "minute": 53}
